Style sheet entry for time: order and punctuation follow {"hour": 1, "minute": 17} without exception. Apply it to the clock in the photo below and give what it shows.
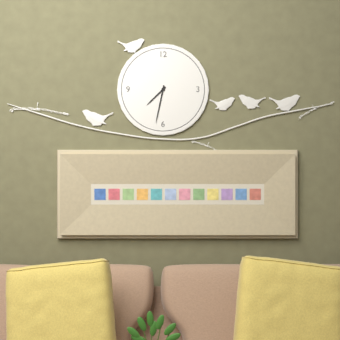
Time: {"hour": 7, "minute": 32}
